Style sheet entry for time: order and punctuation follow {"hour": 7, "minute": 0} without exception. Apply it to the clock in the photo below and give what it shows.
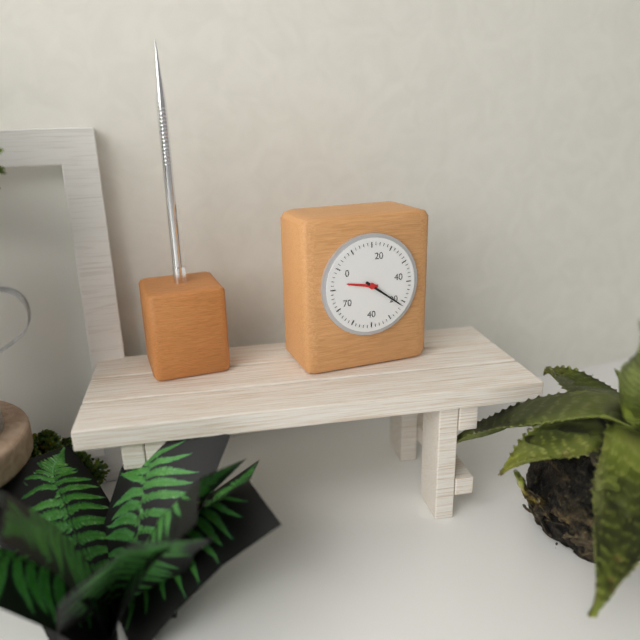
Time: {"hour": 9, "minute": 21}
